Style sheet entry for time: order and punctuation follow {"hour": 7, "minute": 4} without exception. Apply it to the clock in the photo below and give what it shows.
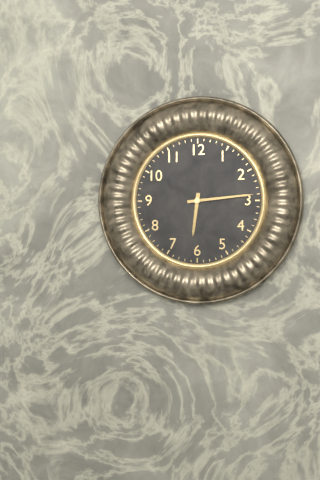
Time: {"hour": 6, "minute": 14}
